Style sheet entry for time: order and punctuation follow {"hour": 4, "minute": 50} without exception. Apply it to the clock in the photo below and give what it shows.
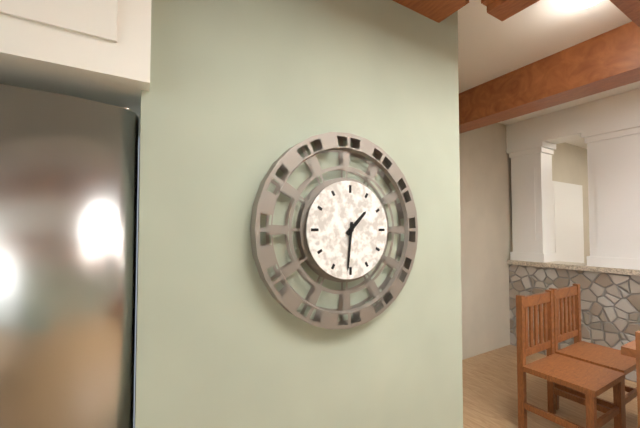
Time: {"hour": 1, "minute": 31}
